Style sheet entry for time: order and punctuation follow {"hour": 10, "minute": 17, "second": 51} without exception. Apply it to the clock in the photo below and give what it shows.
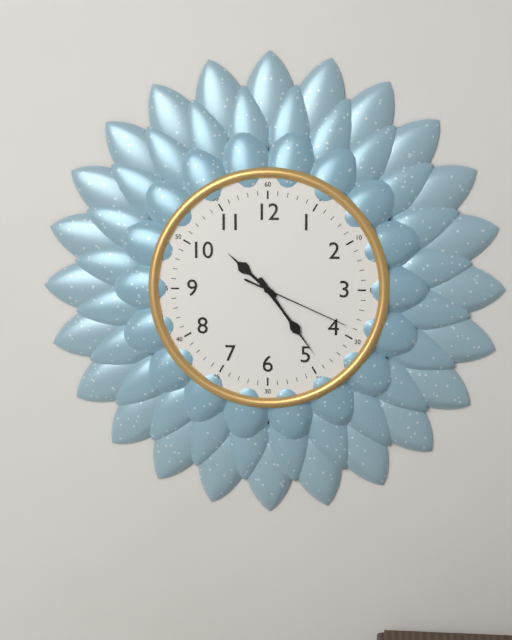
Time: {"hour": 10, "minute": 24, "second": 19}
